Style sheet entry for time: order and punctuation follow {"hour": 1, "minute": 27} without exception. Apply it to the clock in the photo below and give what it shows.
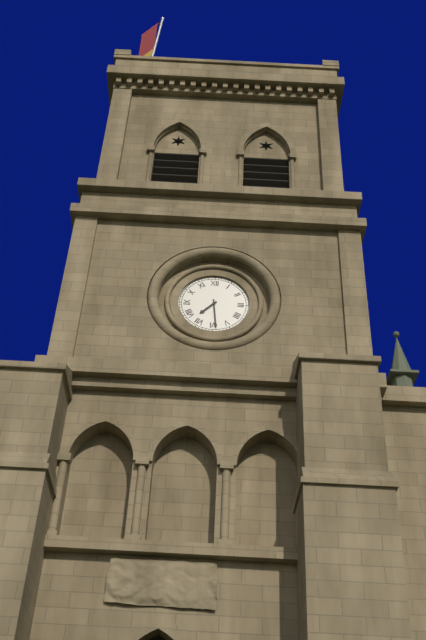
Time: {"hour": 7, "minute": 29}
